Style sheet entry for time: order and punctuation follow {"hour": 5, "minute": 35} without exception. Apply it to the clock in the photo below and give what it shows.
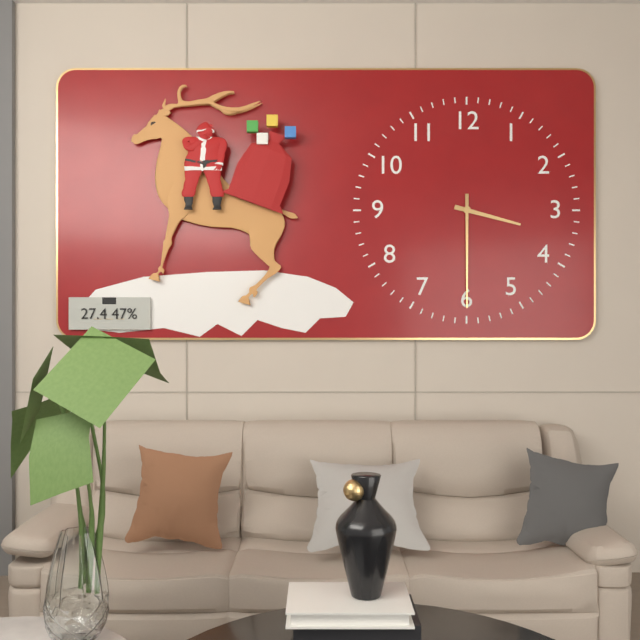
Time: {"hour": 3, "minute": 30}
